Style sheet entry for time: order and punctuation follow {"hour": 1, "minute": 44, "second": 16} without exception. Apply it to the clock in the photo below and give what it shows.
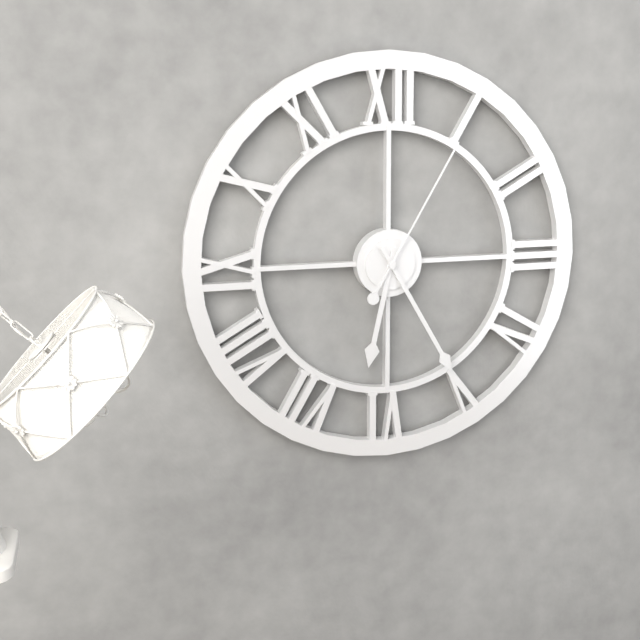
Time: {"hour": 6, "minute": 25, "second": 5}
